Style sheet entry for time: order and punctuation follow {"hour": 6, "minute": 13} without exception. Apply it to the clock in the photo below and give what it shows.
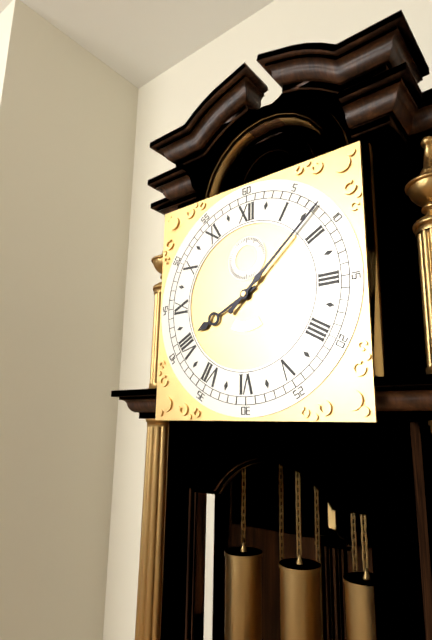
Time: {"hour": 8, "minute": 8}
